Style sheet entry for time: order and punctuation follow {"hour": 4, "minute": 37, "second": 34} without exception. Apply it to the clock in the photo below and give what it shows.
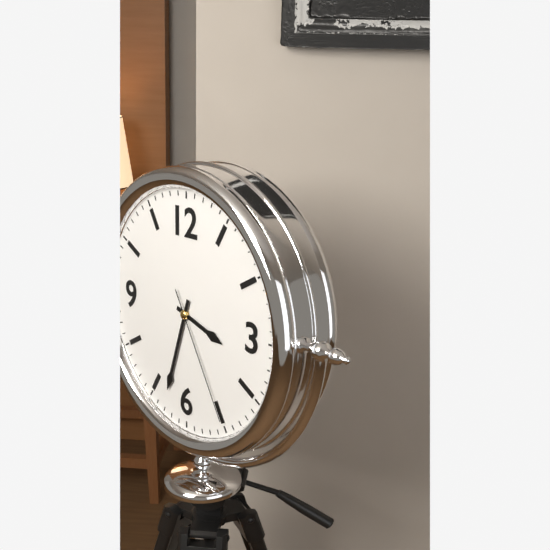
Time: {"hour": 3, "minute": 33, "second": 25}
